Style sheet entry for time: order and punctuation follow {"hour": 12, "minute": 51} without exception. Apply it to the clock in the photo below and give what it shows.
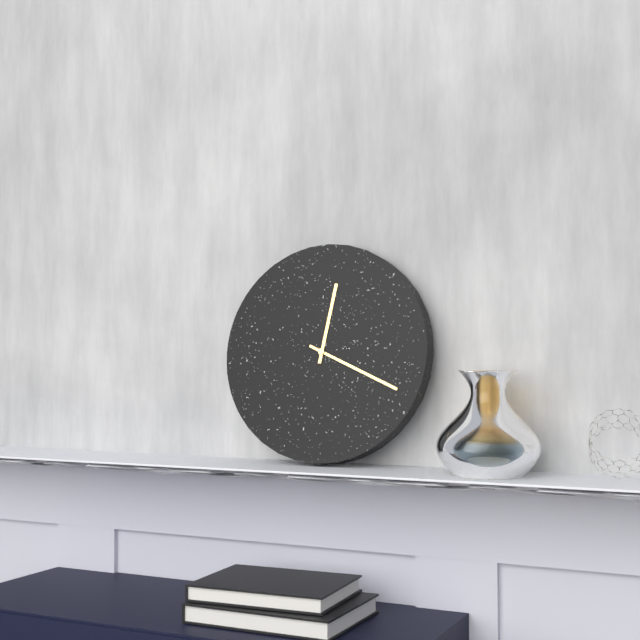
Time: {"hour": 12, "minute": 19}
